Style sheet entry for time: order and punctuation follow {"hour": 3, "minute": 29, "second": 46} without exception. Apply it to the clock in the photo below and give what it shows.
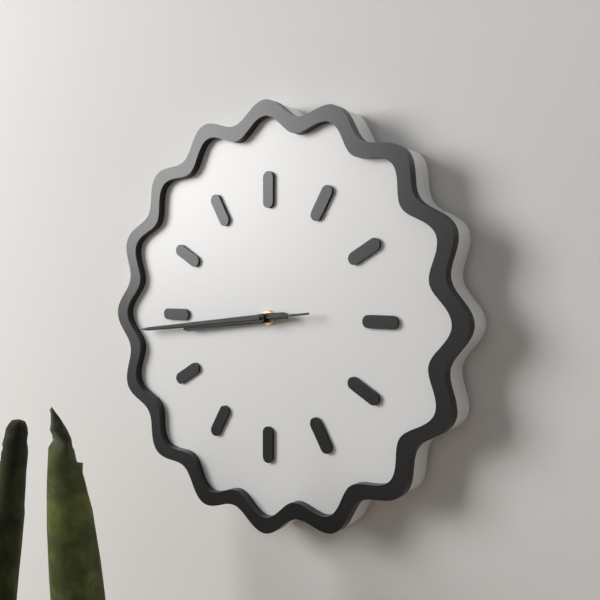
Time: {"hour": 8, "minute": 44, "second": 44}
